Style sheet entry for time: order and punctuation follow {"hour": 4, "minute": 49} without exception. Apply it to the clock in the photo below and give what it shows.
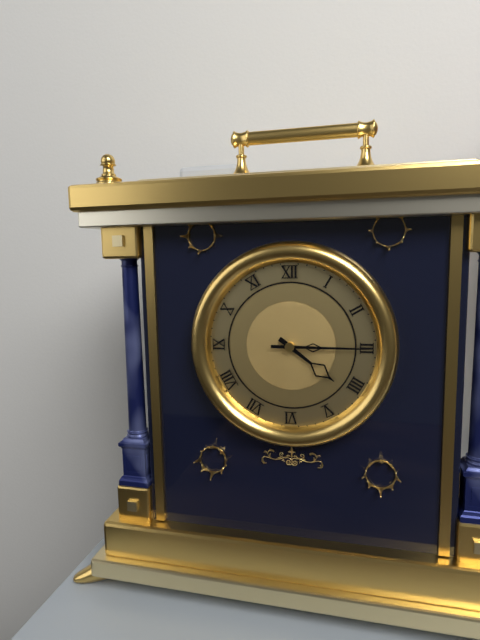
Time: {"hour": 4, "minute": 15}
